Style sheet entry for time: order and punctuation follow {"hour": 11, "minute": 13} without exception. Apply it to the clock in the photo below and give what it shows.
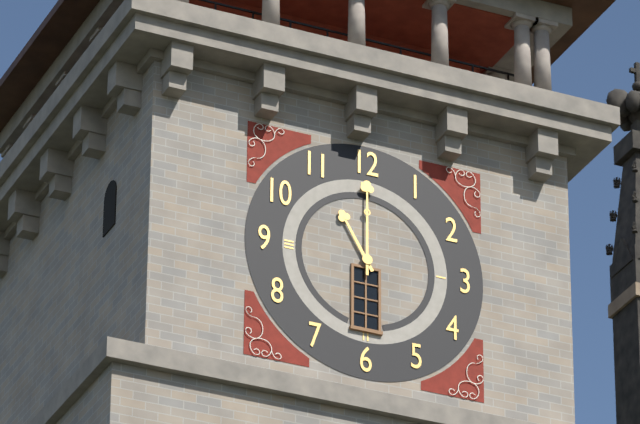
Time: {"hour": 11, "minute": 0}
